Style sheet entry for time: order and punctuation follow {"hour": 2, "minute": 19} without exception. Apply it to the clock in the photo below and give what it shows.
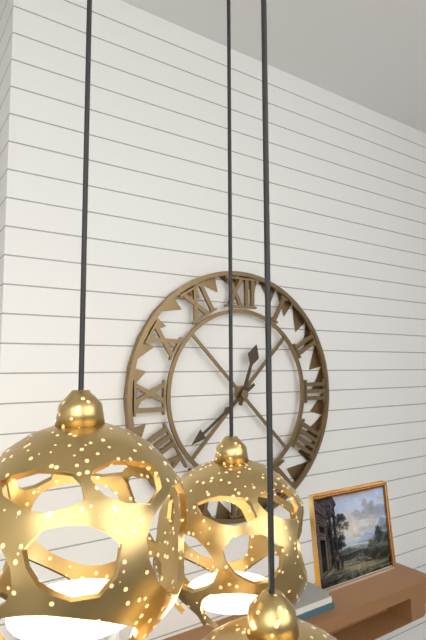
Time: {"hour": 12, "minute": 39}
